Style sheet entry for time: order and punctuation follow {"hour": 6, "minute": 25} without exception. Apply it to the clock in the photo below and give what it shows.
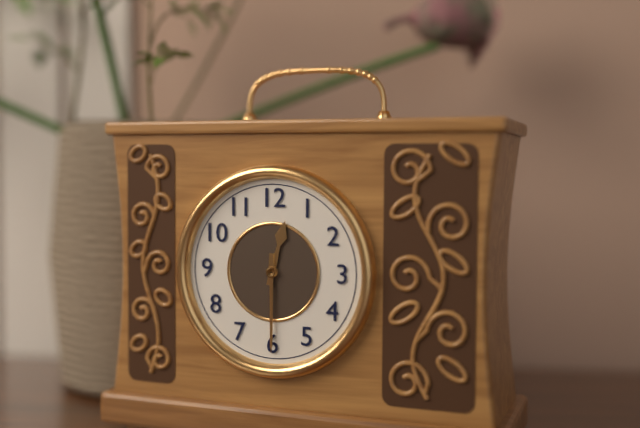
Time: {"hour": 12, "minute": 30}
